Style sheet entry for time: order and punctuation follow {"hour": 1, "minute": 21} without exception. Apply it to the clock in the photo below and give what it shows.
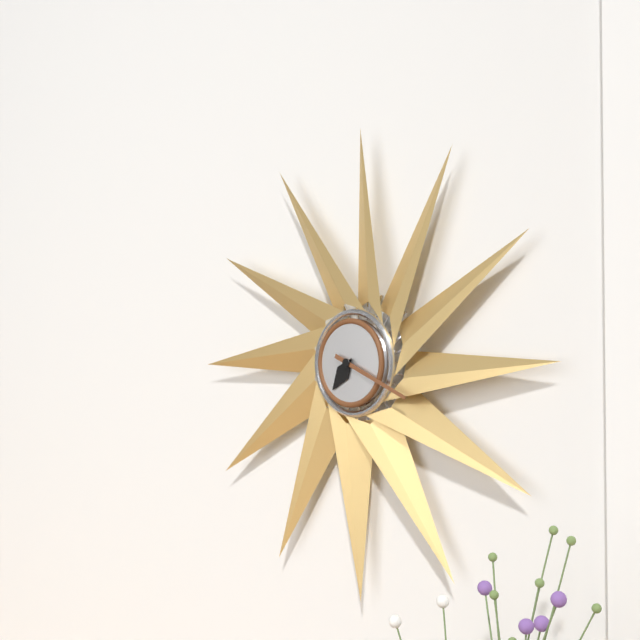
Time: {"hour": 7, "minute": 19}
